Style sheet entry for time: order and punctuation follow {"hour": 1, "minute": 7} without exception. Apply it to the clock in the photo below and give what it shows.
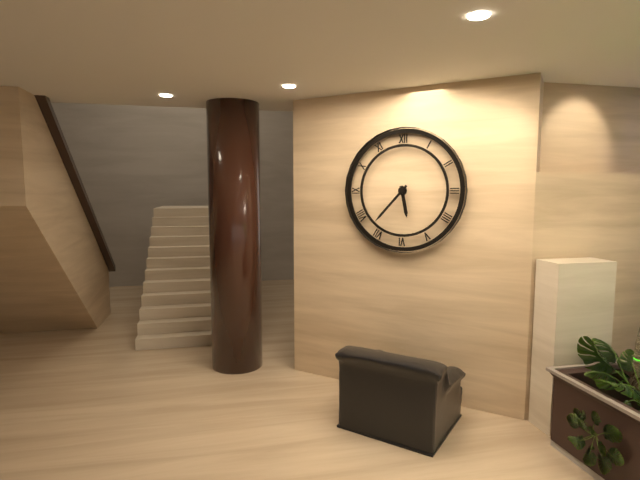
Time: {"hour": 5, "minute": 37}
